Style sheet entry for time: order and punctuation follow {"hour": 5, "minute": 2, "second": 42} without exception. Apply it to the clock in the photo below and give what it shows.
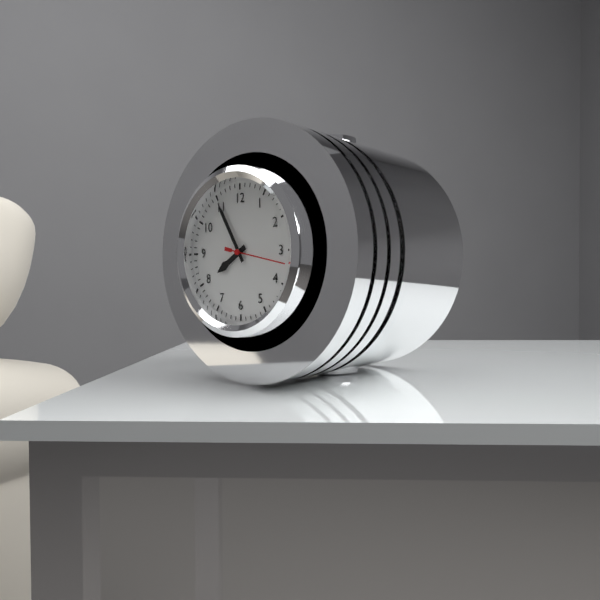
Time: {"hour": 7, "minute": 55, "second": 17}
